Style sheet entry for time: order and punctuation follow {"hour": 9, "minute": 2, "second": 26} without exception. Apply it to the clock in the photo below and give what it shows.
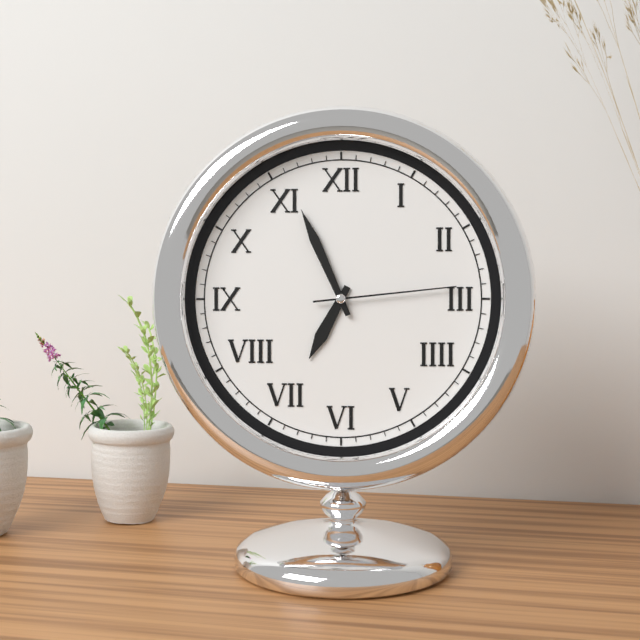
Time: {"hour": 6, "minute": 56, "second": 14}
